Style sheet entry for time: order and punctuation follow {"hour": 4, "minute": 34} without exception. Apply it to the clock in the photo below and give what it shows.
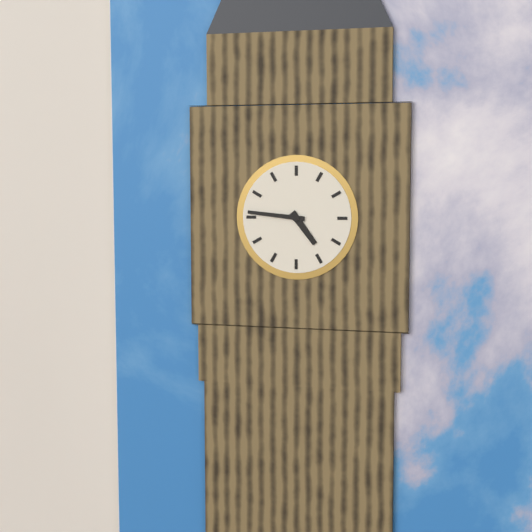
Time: {"hour": 4, "minute": 46}
